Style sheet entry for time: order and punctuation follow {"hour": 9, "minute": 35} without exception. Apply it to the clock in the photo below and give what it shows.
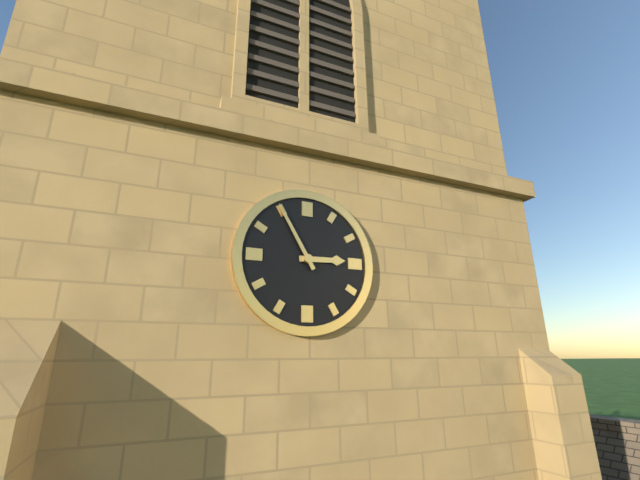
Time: {"hour": 2, "minute": 55}
